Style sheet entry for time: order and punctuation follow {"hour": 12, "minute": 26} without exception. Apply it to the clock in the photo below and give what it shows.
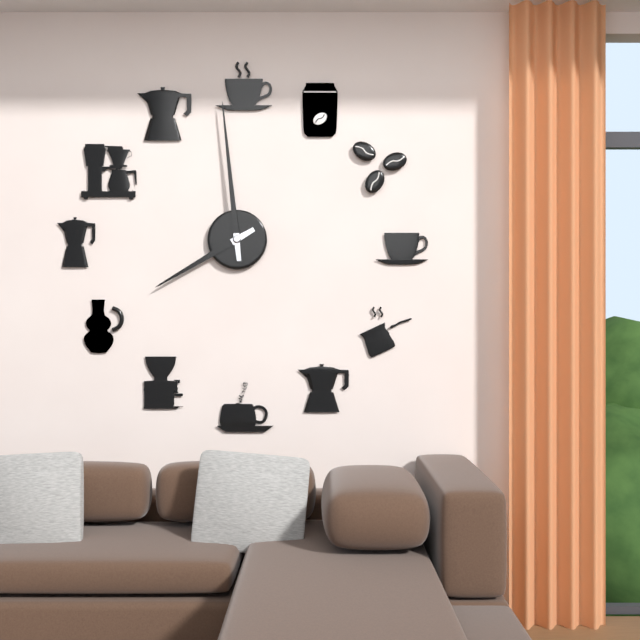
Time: {"hour": 7, "minute": 59}
